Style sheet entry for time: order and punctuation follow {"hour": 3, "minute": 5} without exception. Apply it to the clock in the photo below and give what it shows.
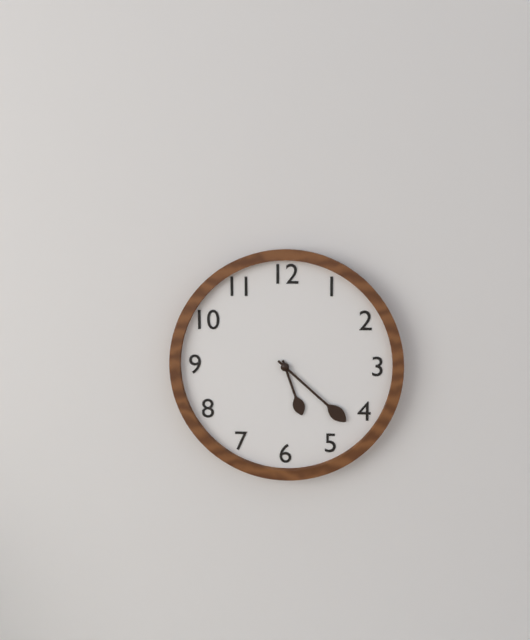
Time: {"hour": 5, "minute": 22}
